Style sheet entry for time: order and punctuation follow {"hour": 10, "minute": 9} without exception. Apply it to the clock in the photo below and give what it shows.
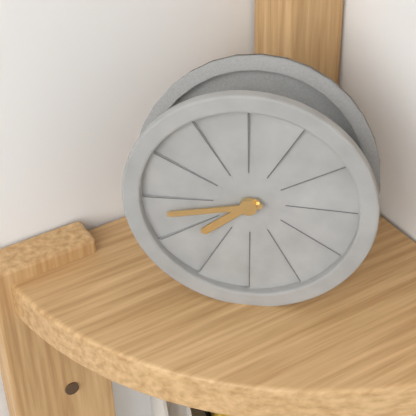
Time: {"hour": 7, "minute": 43}
